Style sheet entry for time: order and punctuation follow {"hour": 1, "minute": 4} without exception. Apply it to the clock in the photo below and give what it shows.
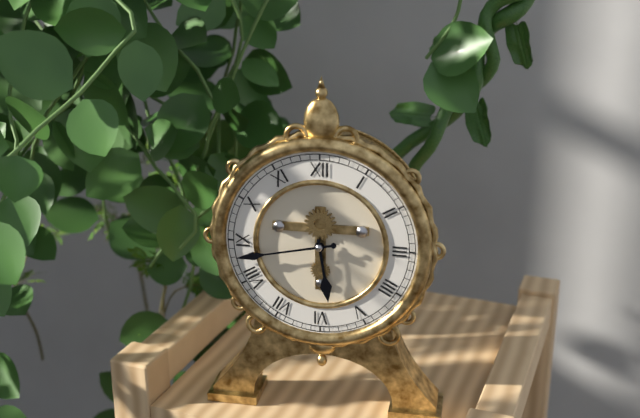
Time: {"hour": 5, "minute": 43}
